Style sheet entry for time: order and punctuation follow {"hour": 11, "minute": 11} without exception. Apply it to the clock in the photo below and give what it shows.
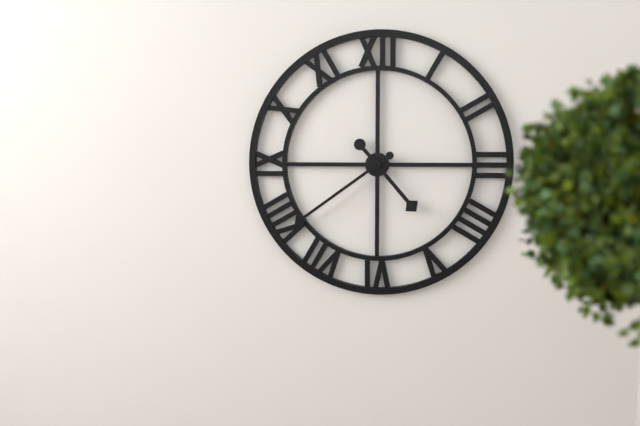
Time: {"hour": 4, "minute": 39}
